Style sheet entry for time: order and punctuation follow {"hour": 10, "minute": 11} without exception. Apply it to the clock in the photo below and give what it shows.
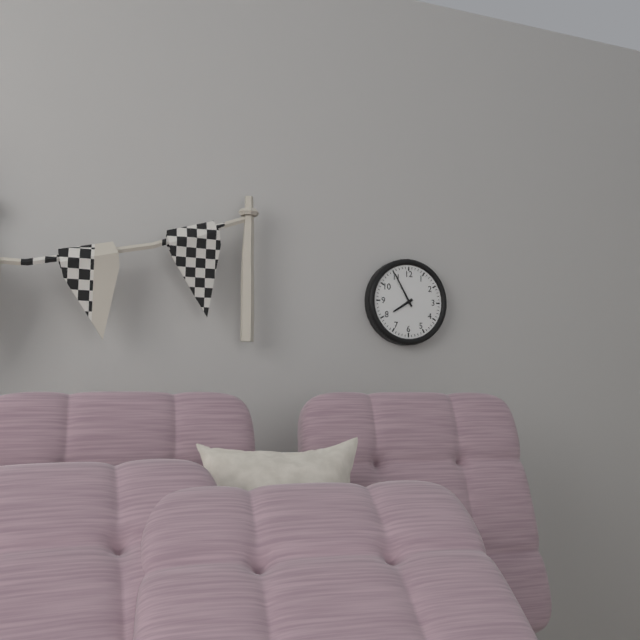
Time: {"hour": 7, "minute": 55}
